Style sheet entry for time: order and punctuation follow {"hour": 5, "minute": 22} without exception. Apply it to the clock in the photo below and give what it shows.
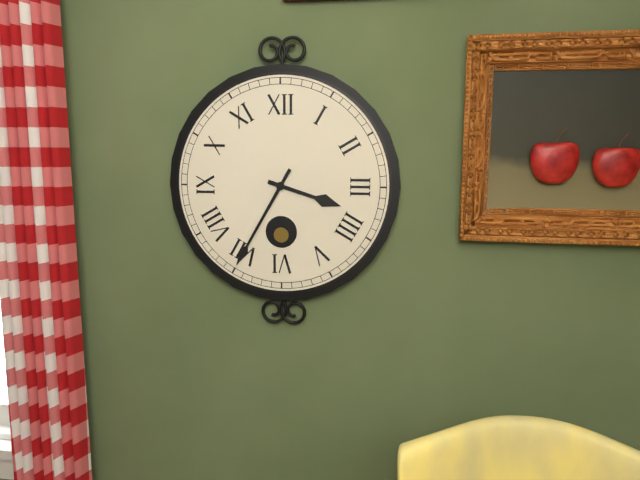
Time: {"hour": 3, "minute": 35}
